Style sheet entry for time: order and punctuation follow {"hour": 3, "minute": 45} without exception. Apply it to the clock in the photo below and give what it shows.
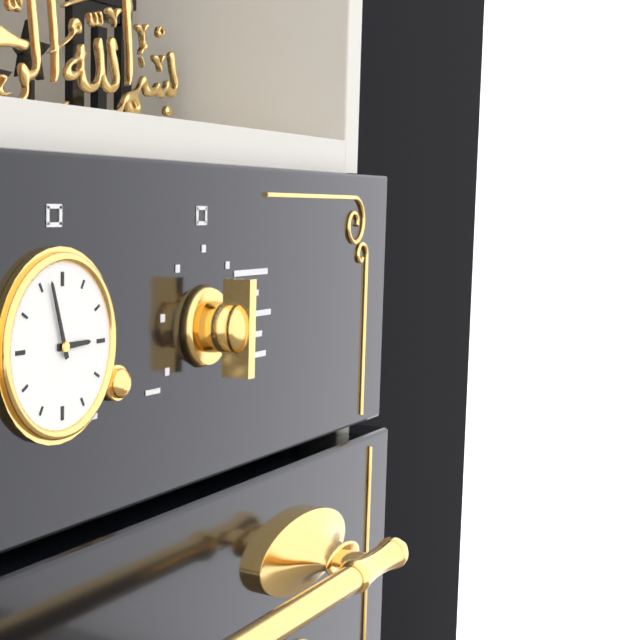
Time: {"hour": 2, "minute": 57}
